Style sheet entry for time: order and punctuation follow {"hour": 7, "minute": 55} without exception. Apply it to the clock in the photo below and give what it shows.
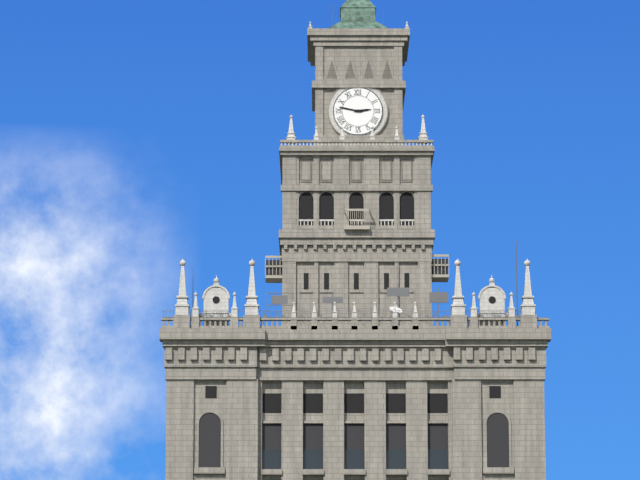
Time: {"hour": 2, "minute": 47}
